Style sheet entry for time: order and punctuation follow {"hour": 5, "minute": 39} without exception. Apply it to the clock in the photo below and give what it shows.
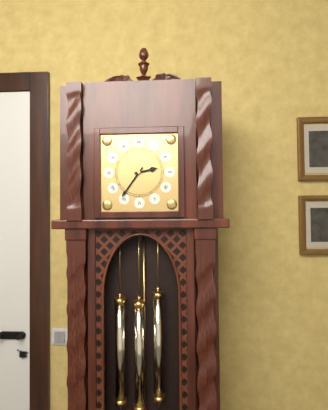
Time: {"hour": 2, "minute": 36}
